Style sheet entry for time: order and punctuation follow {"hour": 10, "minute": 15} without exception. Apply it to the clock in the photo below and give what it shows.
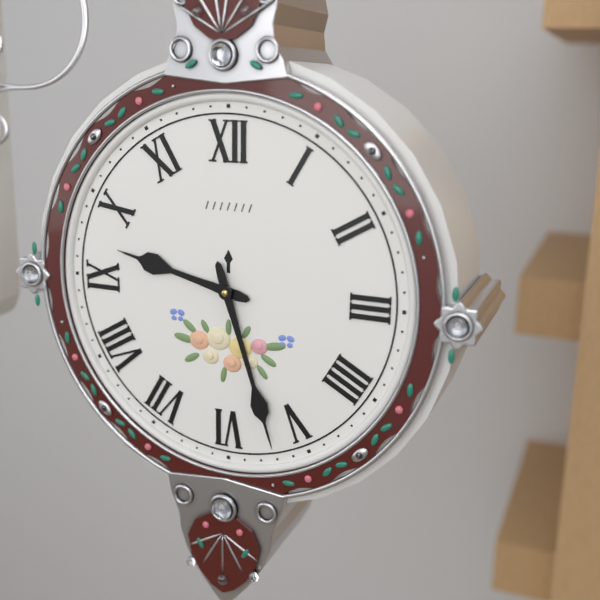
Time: {"hour": 9, "minute": 27}
